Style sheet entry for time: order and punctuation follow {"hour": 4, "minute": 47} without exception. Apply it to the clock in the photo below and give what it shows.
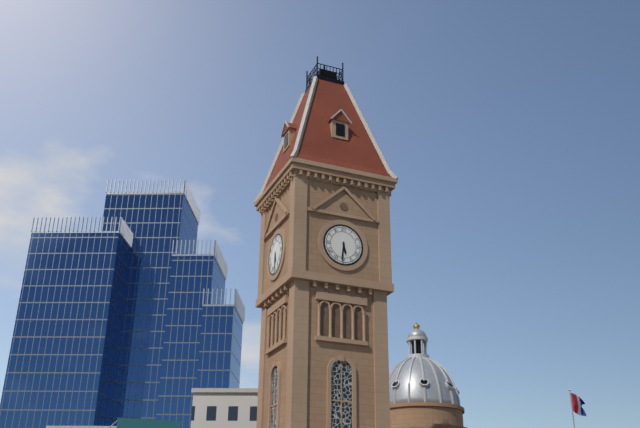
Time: {"hour": 5, "minute": 31}
